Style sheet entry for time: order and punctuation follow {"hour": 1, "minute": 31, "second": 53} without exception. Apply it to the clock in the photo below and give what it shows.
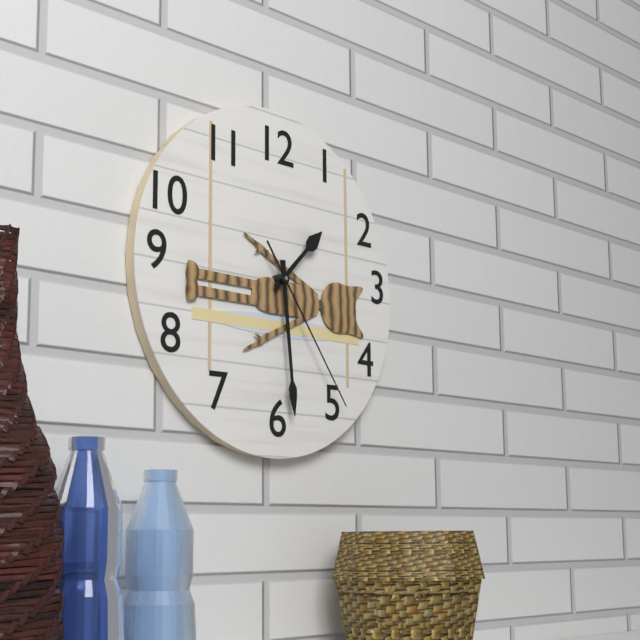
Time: {"hour": 1, "minute": 29, "second": 24}
